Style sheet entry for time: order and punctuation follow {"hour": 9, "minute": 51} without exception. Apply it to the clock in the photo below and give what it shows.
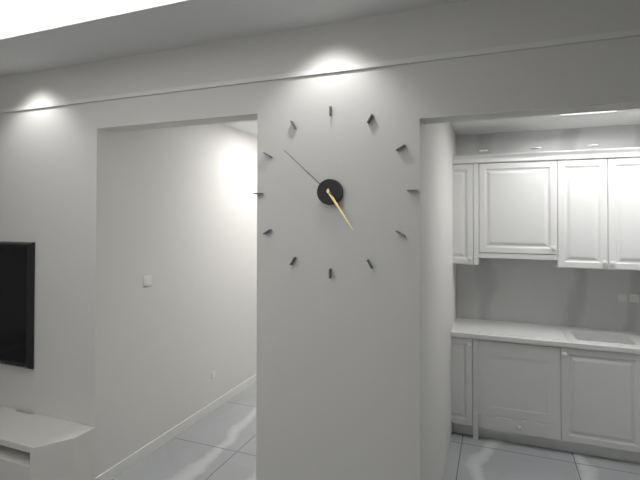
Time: {"hour": 4, "minute": 52}
